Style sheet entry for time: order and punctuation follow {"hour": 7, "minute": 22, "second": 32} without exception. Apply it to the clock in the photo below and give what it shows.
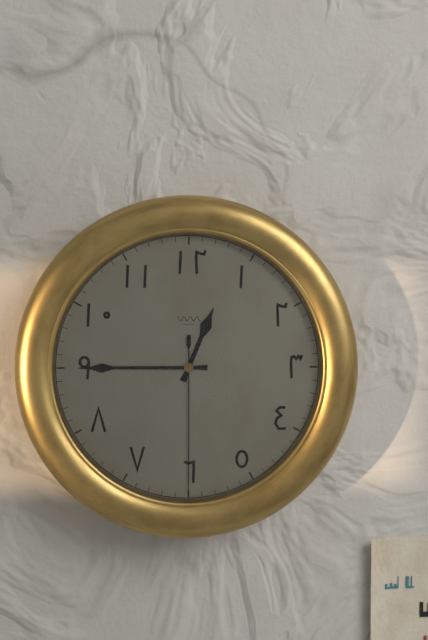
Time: {"hour": 12, "minute": 45, "second": 30}
